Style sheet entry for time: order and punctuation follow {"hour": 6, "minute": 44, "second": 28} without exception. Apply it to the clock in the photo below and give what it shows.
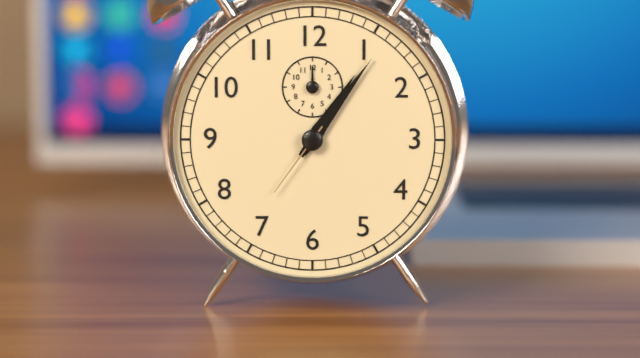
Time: {"hour": 1, "minute": 6, "second": 36}
